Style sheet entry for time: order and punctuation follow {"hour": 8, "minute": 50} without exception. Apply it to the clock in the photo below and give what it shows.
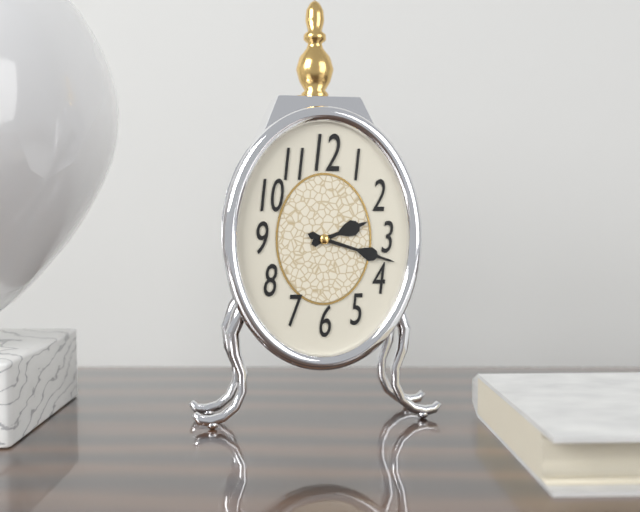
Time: {"hour": 2, "minute": 18}
